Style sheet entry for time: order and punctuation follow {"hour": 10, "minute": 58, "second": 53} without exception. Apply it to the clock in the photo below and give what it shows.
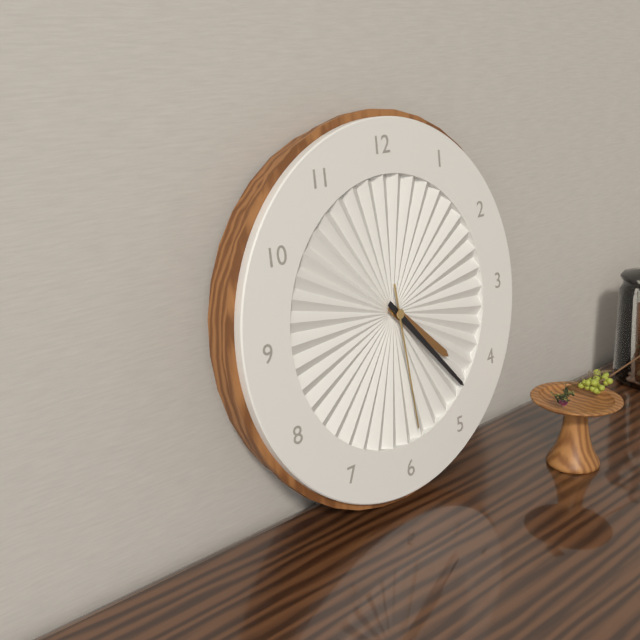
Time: {"hour": 4, "minute": 23, "second": 29}
